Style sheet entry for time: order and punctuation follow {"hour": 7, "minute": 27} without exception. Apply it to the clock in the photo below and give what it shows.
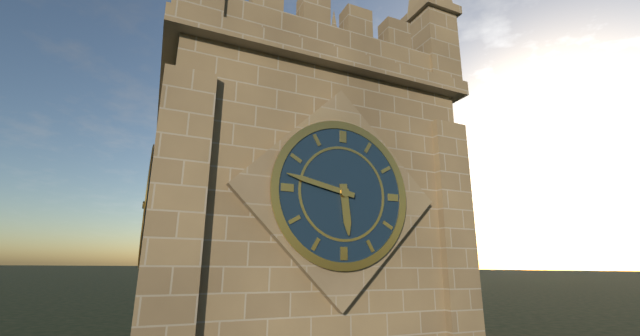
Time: {"hour": 5, "minute": 47}
